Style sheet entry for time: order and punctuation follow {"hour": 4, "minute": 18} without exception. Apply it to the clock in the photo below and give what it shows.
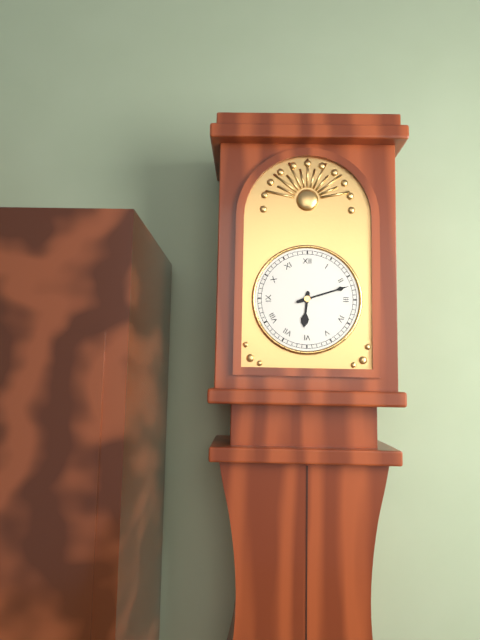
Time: {"hour": 6, "minute": 12}
